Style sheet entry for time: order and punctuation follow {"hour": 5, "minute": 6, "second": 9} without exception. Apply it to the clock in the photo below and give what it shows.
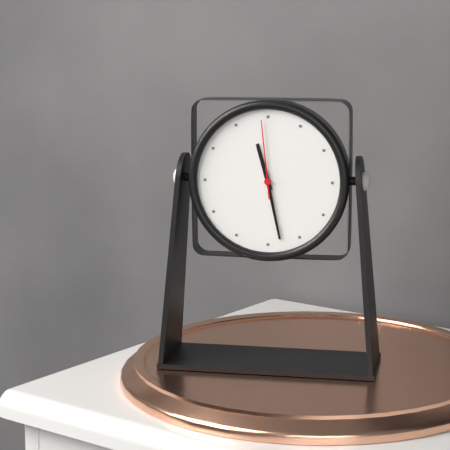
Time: {"hour": 11, "minute": 28, "second": 59}
